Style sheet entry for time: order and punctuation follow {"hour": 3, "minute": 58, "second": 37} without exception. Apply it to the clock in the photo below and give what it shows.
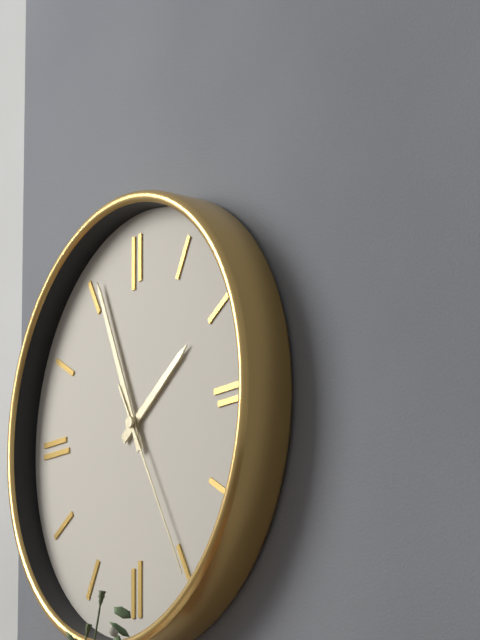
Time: {"hour": 1, "minute": 56, "second": 25}
